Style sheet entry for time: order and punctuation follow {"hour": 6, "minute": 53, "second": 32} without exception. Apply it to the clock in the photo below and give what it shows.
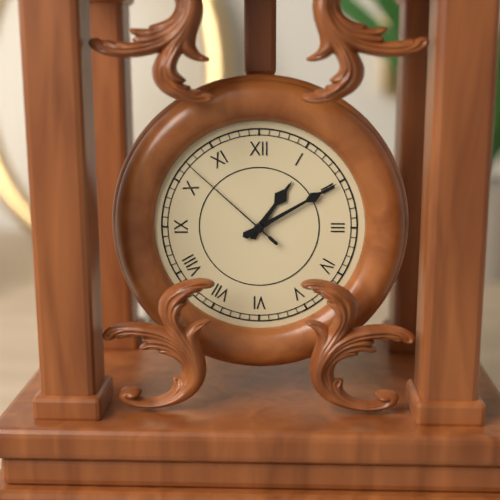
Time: {"hour": 1, "minute": 10, "second": 52}
